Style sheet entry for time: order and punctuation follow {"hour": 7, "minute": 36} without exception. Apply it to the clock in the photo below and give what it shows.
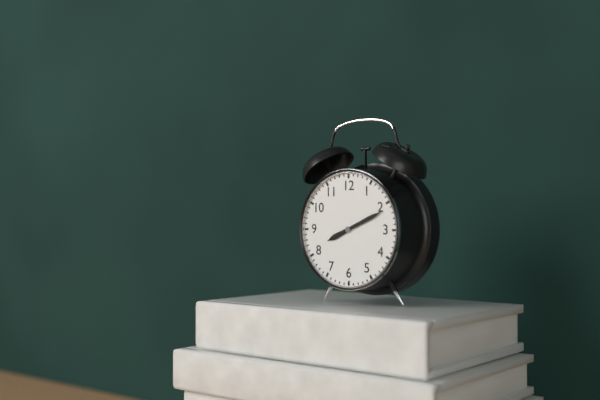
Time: {"hour": 8, "minute": 11}
